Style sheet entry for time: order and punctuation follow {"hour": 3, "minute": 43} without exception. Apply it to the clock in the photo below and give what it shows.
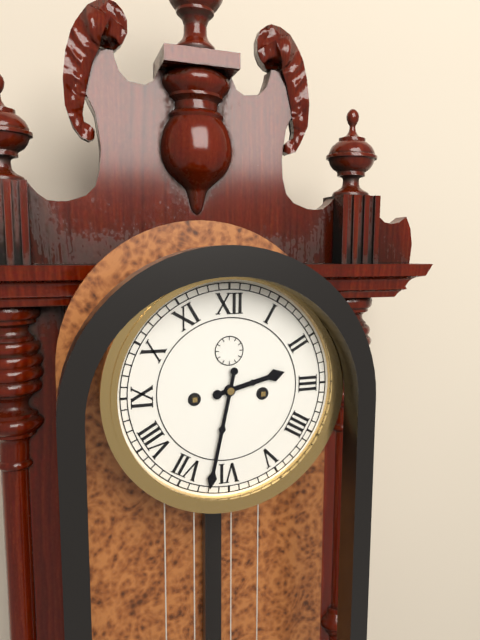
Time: {"hour": 2, "minute": 32}
